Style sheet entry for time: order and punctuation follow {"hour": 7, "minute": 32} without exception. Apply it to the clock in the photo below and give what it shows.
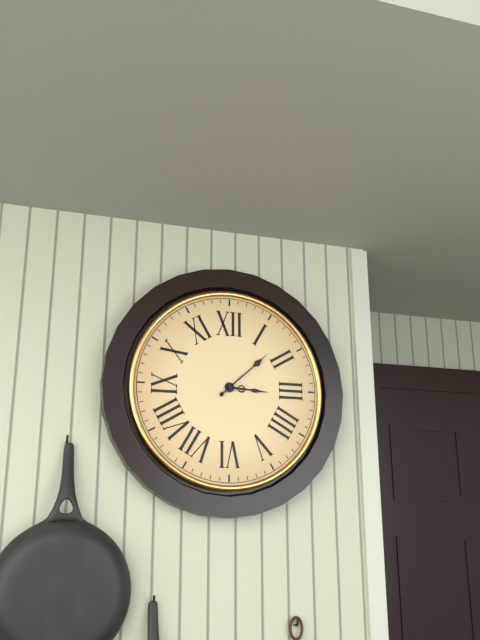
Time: {"hour": 3, "minute": 8}
